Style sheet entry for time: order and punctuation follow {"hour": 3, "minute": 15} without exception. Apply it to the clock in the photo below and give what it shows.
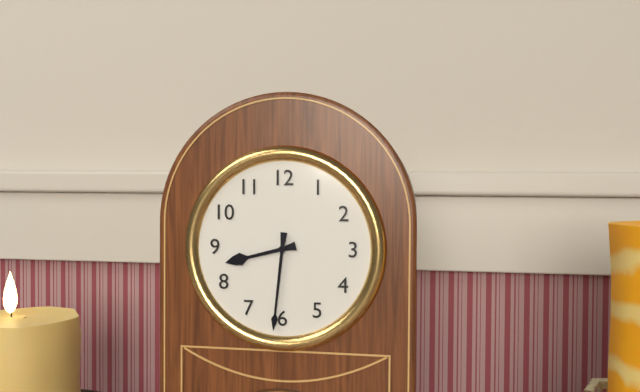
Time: {"hour": 8, "minute": 31}
